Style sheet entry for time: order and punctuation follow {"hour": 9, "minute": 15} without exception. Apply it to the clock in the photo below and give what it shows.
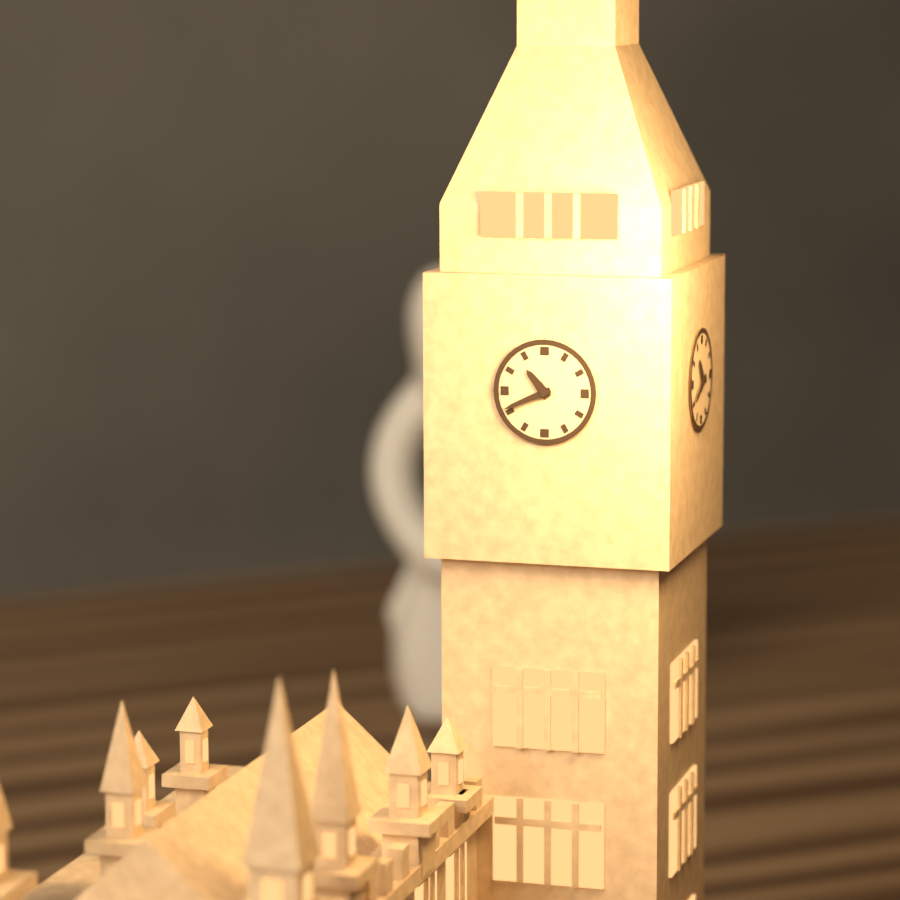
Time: {"hour": 10, "minute": 41}
